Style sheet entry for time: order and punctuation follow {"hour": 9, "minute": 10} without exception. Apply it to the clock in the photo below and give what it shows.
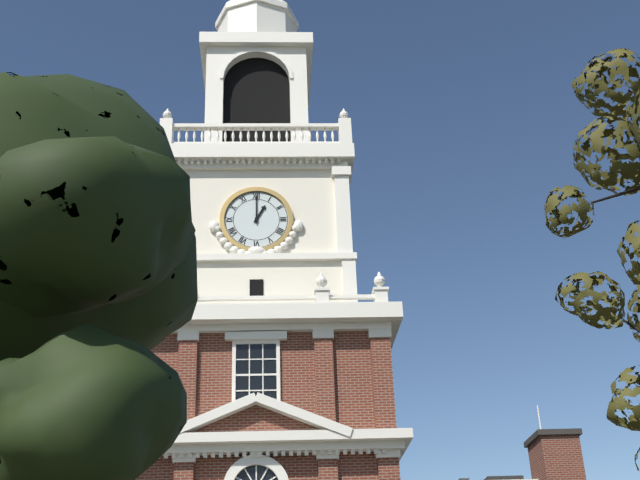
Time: {"hour": 1, "minute": 0}
